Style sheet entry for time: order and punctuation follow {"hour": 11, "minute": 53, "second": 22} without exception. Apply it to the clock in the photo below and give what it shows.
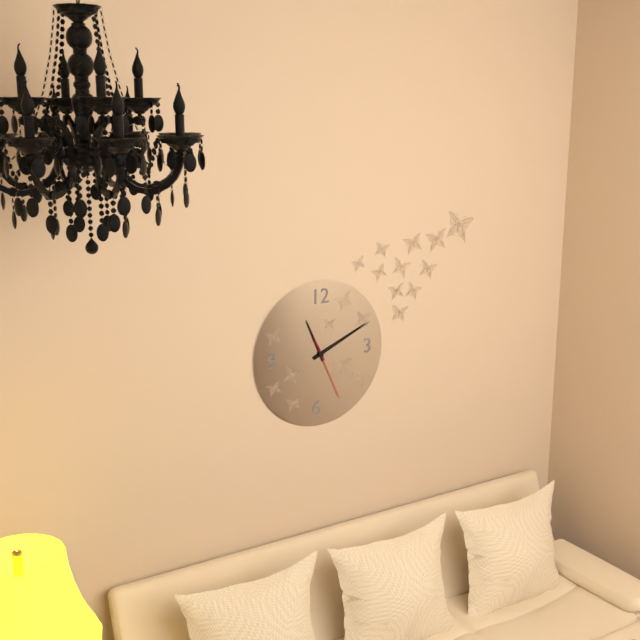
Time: {"hour": 11, "minute": 11, "second": 26}
